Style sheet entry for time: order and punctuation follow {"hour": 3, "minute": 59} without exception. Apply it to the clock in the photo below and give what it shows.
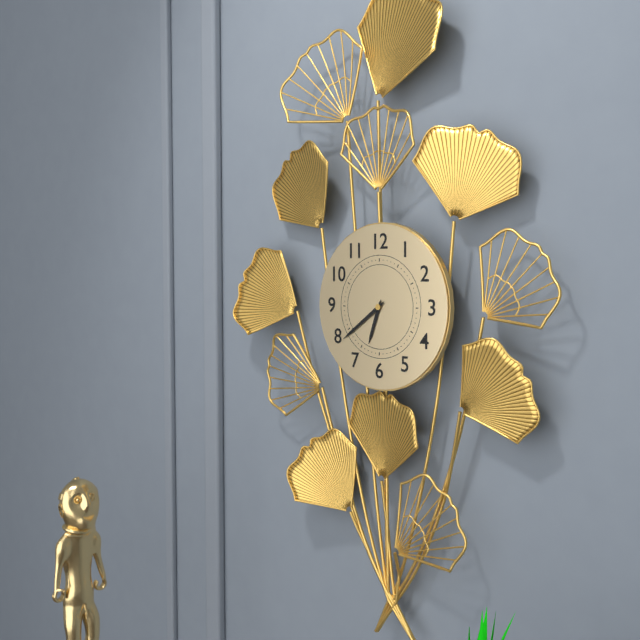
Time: {"hour": 6, "minute": 39}
